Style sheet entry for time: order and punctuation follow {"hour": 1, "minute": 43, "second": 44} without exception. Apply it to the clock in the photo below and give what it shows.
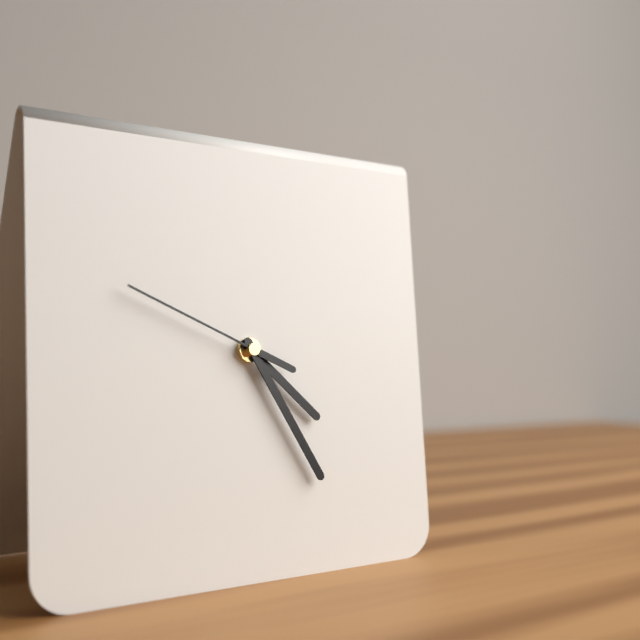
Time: {"hour": 4, "minute": 25, "second": 49}
